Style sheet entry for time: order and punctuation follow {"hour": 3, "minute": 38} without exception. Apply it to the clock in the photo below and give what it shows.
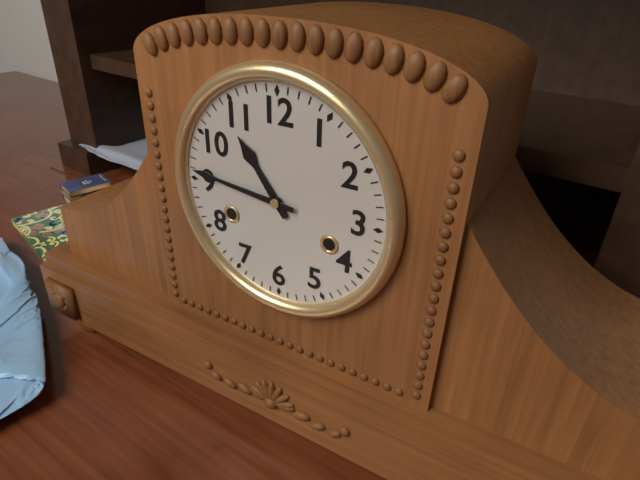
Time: {"hour": 10, "minute": 46}
